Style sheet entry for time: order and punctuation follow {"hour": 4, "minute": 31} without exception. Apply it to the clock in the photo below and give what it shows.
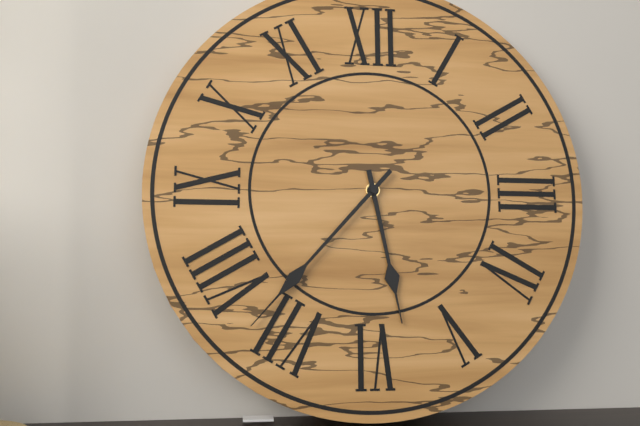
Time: {"hour": 5, "minute": 37}
